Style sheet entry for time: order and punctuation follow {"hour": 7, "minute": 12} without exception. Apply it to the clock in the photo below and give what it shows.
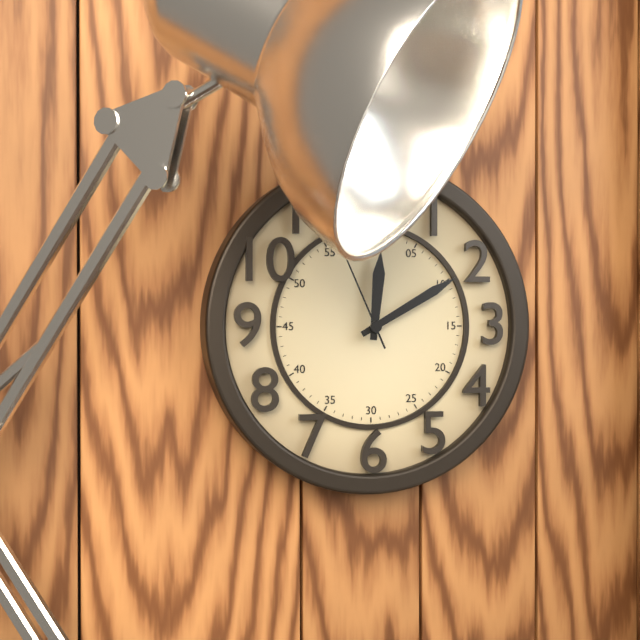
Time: {"hour": 12, "minute": 10}
